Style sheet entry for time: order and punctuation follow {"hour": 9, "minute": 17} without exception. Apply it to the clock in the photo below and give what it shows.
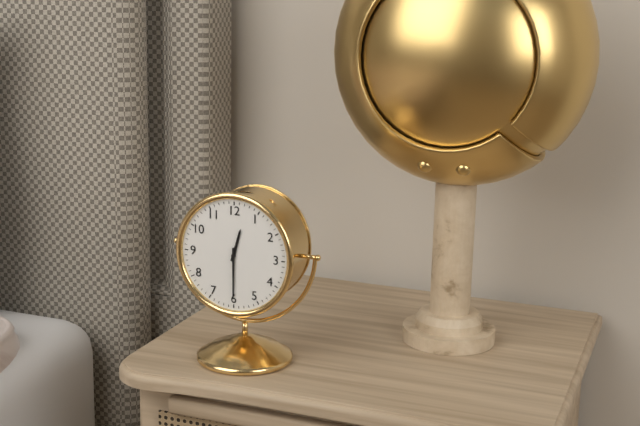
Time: {"hour": 12, "minute": 30}
